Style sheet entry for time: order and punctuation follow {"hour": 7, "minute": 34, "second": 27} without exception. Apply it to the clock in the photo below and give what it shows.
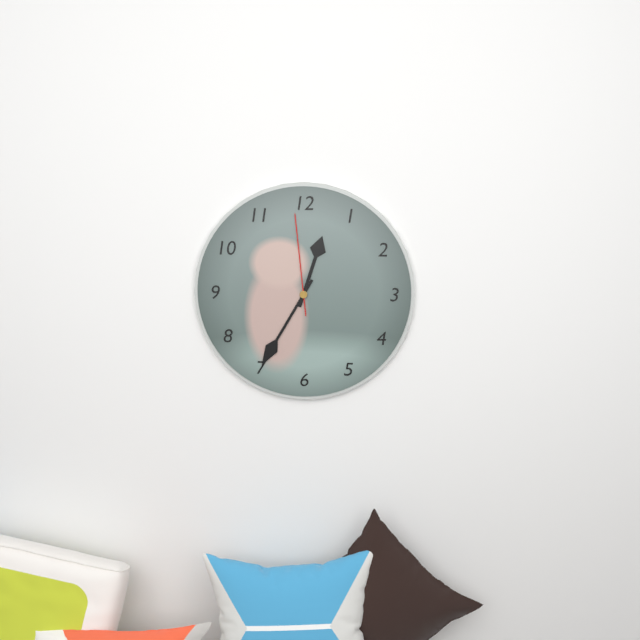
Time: {"hour": 12, "minute": 35, "second": 59}
